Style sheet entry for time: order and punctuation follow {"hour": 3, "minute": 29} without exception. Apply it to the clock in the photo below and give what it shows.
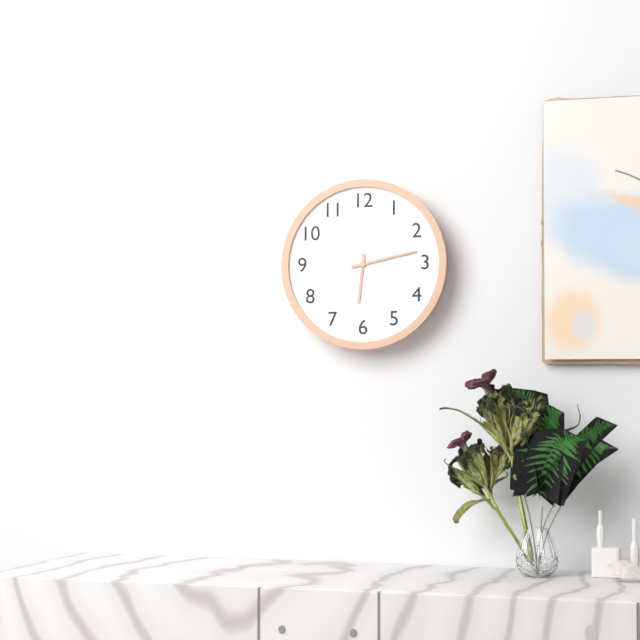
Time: {"hour": 6, "minute": 13}
